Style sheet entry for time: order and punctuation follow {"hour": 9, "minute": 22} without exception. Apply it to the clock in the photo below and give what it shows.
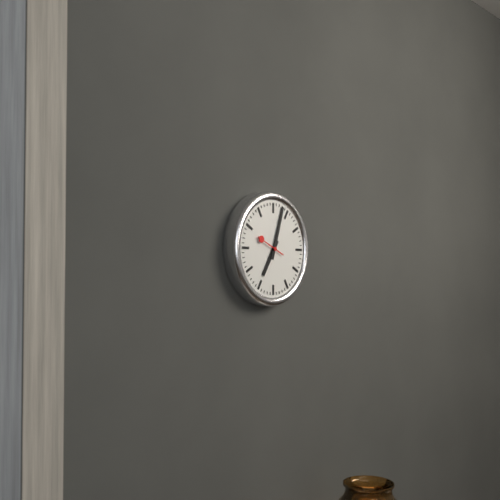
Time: {"hour": 7, "minute": 3}
